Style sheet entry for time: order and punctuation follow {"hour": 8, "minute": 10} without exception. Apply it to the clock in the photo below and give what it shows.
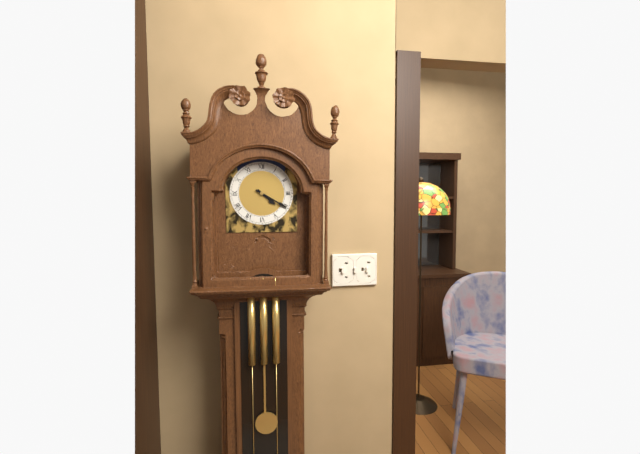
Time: {"hour": 4, "minute": 20}
